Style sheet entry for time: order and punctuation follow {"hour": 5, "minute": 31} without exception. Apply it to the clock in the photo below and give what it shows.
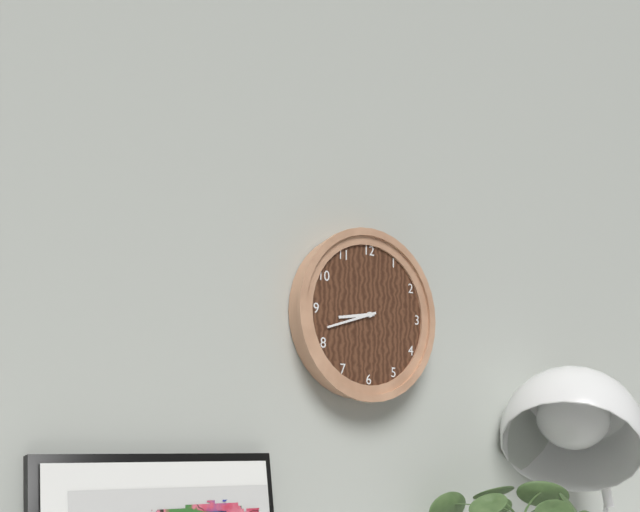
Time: {"hour": 8, "minute": 42}
